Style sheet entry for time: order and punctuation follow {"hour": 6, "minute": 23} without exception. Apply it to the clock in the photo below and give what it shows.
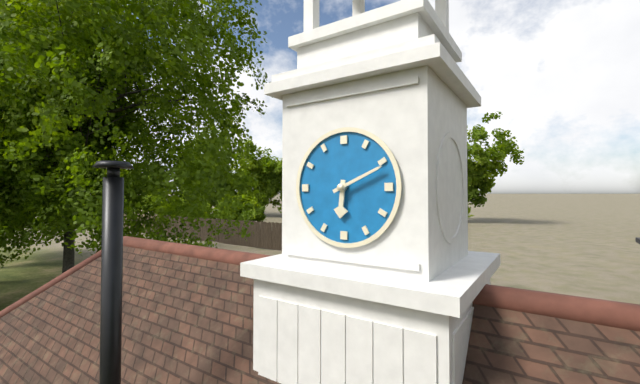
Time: {"hour": 6, "minute": 11}
